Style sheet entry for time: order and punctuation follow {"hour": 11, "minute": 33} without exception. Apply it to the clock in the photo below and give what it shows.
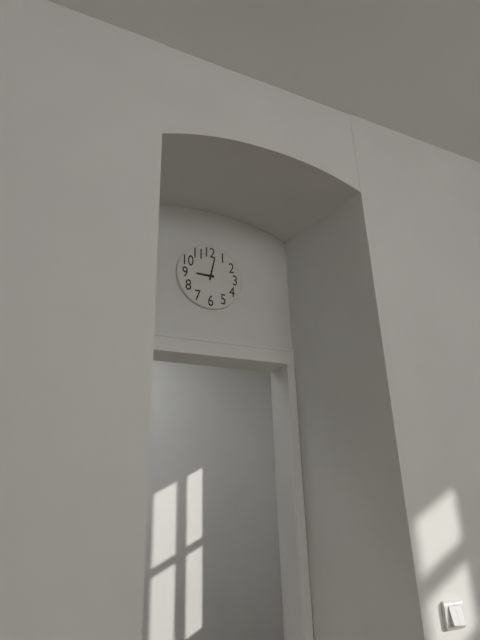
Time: {"hour": 9, "minute": 2}
